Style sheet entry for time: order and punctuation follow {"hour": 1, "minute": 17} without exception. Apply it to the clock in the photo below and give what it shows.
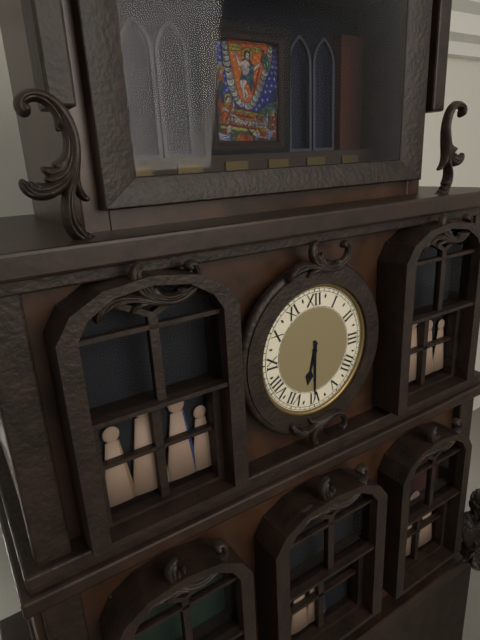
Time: {"hour": 6, "minute": 30}
